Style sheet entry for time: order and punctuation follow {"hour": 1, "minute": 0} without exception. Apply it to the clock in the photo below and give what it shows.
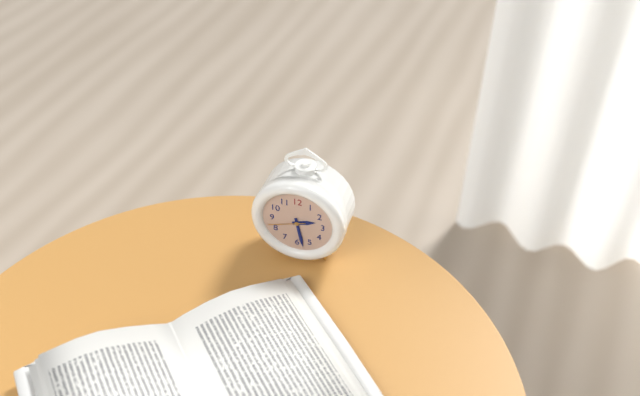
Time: {"hour": 2, "minute": 28}
